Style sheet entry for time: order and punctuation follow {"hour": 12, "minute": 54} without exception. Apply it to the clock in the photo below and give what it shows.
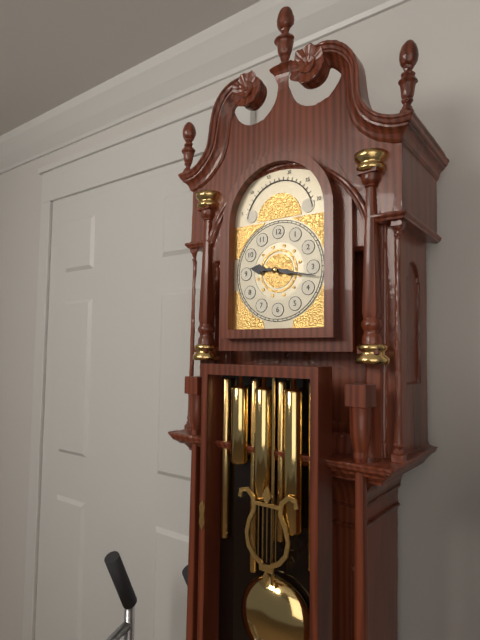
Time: {"hour": 9, "minute": 17}
